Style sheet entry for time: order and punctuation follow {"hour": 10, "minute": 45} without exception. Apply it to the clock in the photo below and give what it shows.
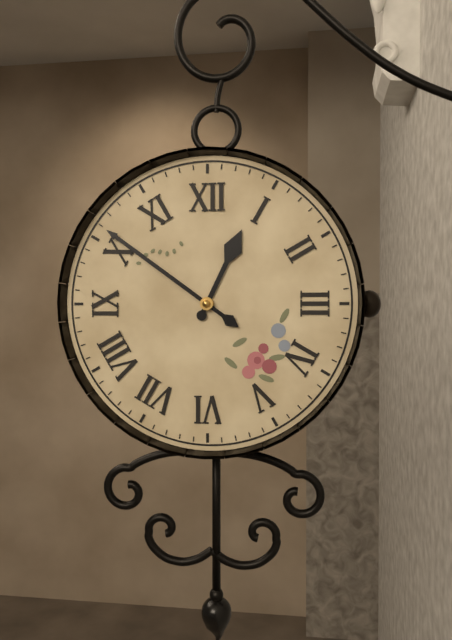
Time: {"hour": 12, "minute": 51}
